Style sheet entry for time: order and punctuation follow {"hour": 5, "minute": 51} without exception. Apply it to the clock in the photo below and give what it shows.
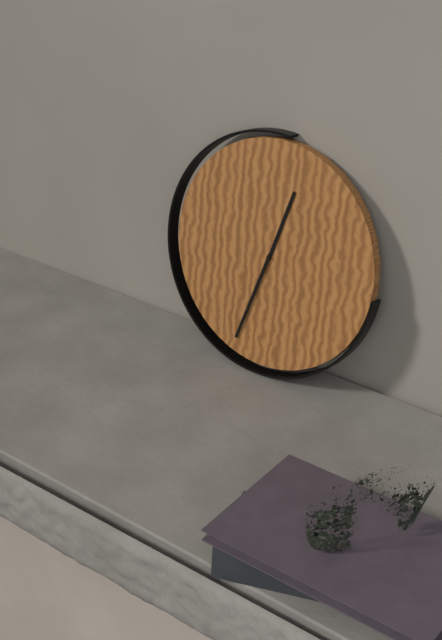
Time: {"hour": 12, "minute": 33}
